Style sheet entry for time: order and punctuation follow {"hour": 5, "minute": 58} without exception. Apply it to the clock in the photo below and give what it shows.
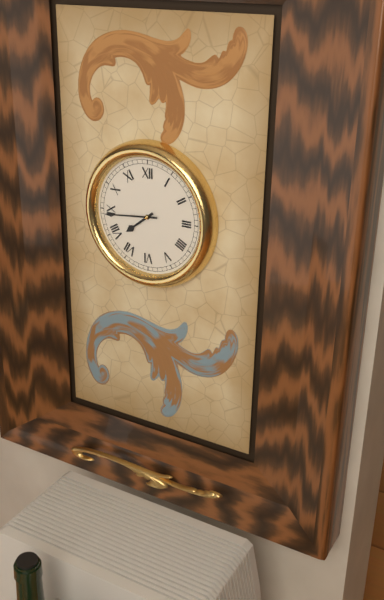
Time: {"hour": 7, "minute": 44}
